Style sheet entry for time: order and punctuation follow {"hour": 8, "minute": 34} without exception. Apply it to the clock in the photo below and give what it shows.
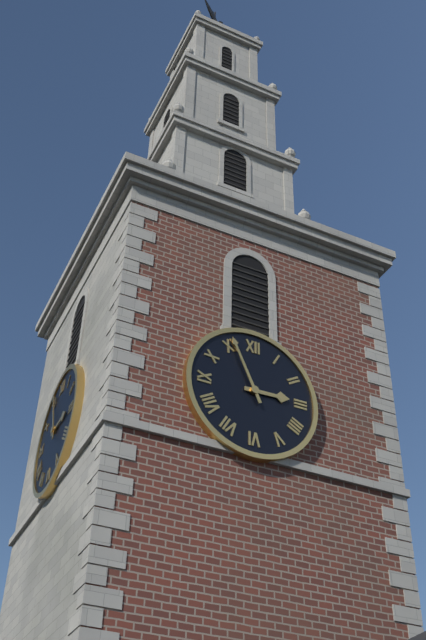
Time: {"hour": 2, "minute": 56}
